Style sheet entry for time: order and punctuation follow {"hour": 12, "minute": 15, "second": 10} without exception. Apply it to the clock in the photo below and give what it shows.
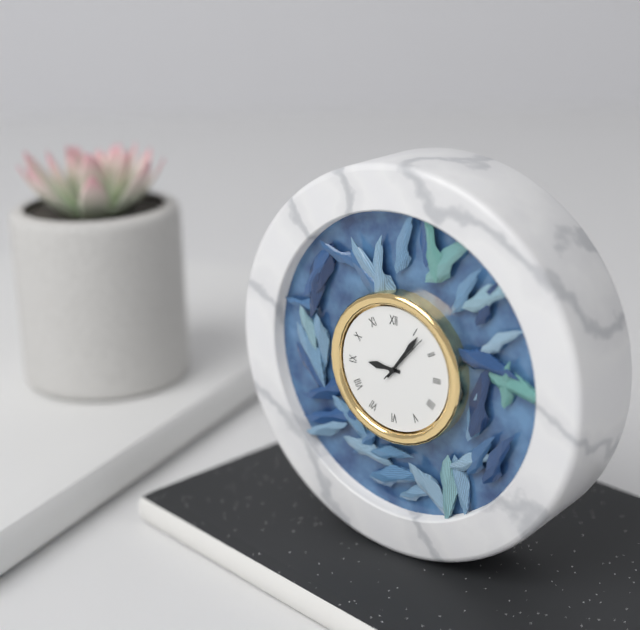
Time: {"hour": 9, "minute": 6, "second": 7}
